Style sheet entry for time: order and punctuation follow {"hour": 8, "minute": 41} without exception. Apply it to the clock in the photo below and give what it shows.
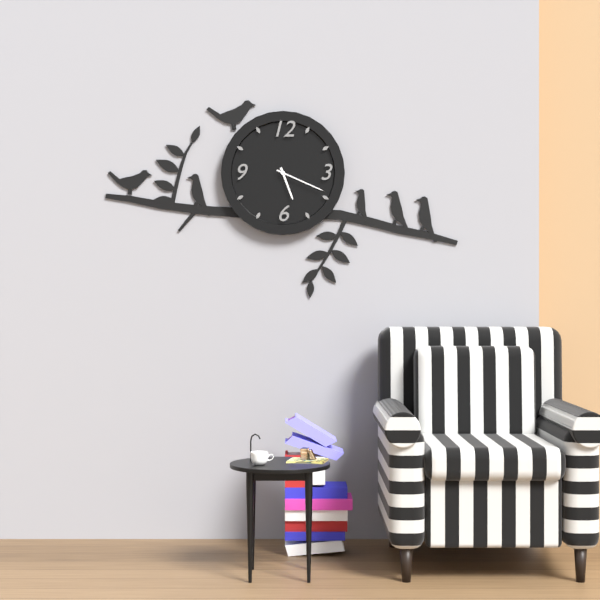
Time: {"hour": 5, "minute": 19}
